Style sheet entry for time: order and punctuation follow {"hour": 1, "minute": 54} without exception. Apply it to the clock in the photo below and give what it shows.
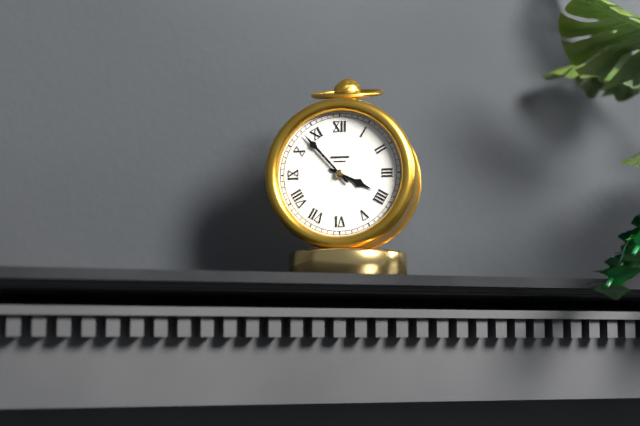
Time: {"hour": 3, "minute": 53}
